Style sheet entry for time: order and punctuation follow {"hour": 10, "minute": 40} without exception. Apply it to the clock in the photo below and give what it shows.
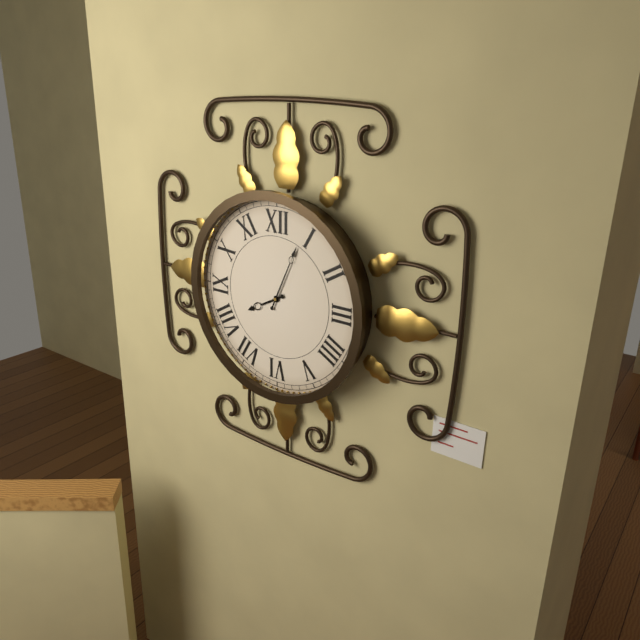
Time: {"hour": 8, "minute": 4}
